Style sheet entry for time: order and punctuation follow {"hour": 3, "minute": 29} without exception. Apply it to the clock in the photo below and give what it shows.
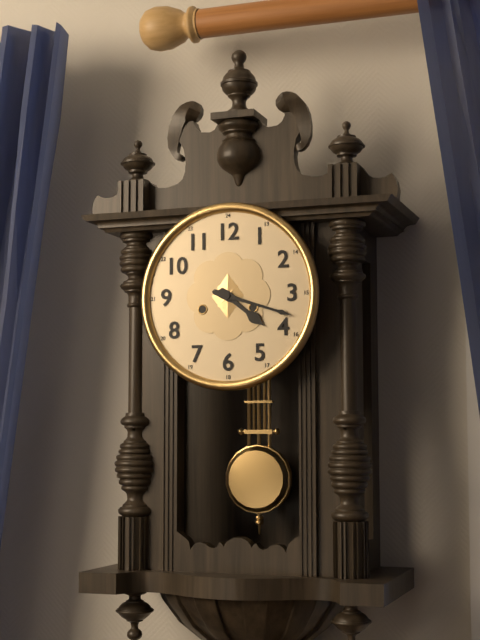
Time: {"hour": 4, "minute": 18}
